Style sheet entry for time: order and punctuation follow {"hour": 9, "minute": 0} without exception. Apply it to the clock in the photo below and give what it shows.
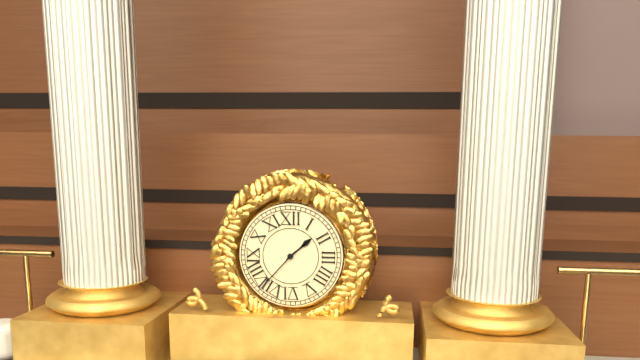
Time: {"hour": 1, "minute": 37}
